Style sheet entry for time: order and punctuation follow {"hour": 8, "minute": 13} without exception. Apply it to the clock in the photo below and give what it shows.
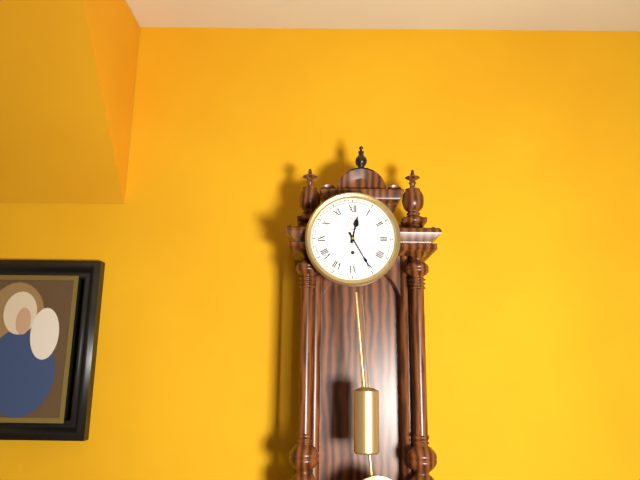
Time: {"hour": 12, "minute": 25}
